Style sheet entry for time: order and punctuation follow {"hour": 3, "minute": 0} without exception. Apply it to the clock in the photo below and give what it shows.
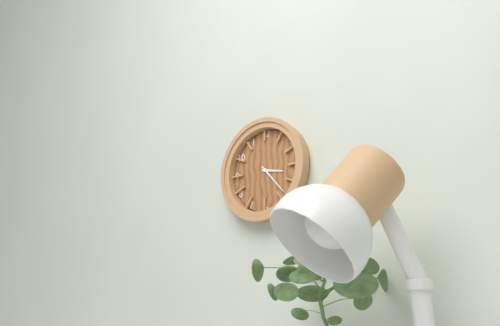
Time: {"hour": 3, "minute": 23}
